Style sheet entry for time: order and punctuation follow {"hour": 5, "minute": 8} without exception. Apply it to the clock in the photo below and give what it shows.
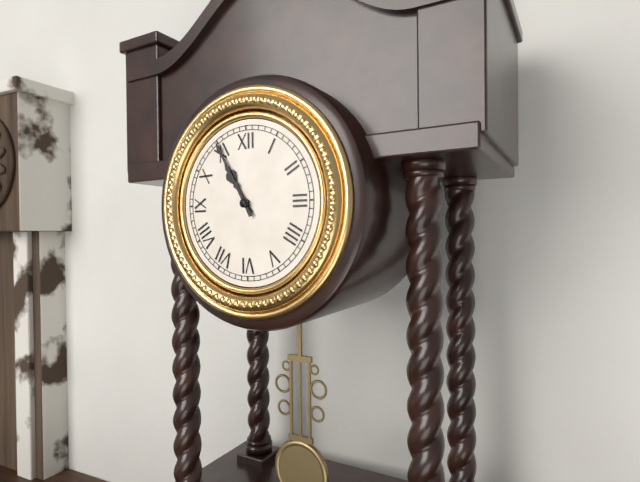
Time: {"hour": 10, "minute": 55}
